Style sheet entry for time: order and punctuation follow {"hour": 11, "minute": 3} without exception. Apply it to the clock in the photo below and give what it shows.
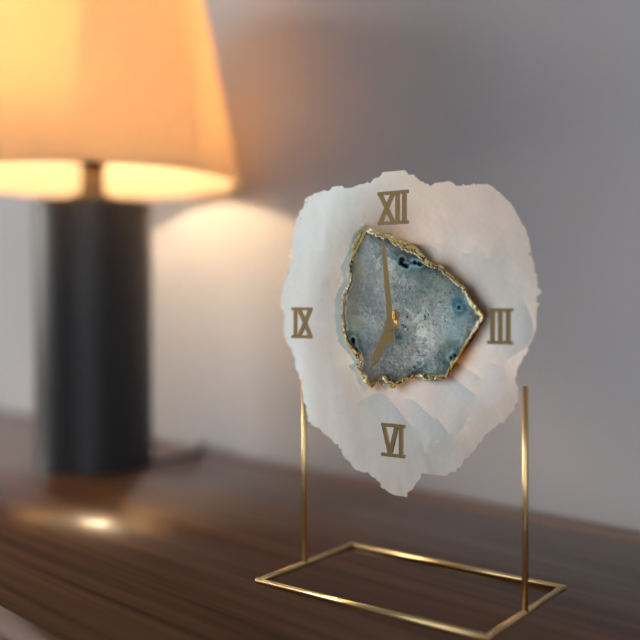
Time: {"hour": 6, "minute": 59}
